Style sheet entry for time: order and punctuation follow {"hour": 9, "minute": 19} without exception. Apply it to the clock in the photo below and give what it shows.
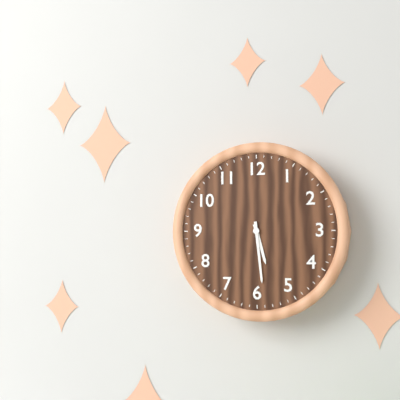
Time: {"hour": 5, "minute": 29}
